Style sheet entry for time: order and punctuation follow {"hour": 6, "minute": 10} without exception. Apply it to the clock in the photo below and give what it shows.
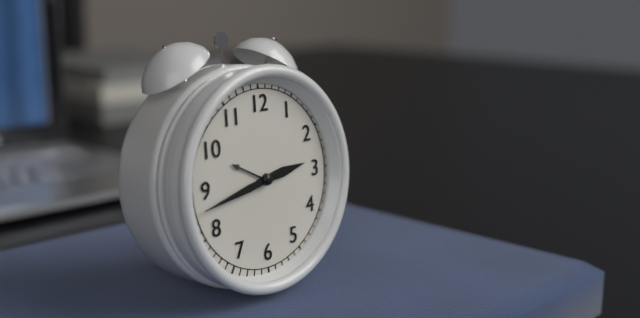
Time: {"hour": 2, "minute": 43}
